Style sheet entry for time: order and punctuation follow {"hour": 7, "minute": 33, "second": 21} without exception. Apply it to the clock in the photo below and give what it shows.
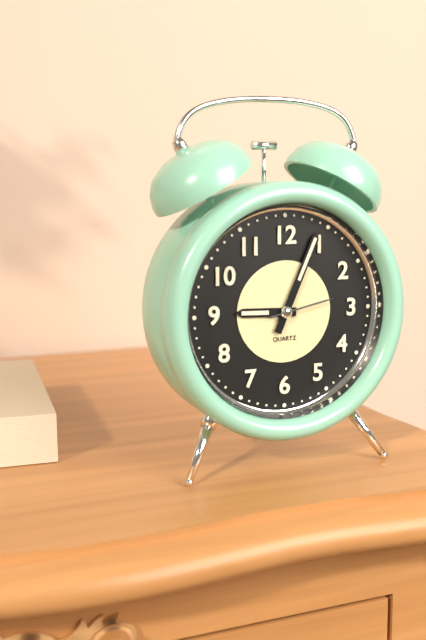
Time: {"hour": 9, "minute": 4, "second": 13}
